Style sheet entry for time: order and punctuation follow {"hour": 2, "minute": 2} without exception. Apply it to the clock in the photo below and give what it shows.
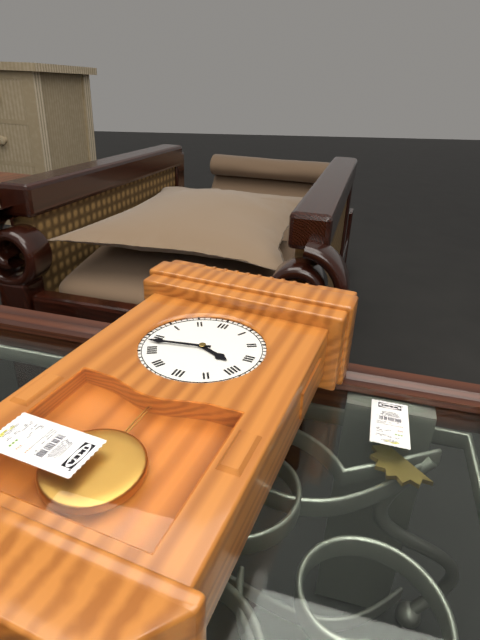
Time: {"hour": 3, "minute": 43}
